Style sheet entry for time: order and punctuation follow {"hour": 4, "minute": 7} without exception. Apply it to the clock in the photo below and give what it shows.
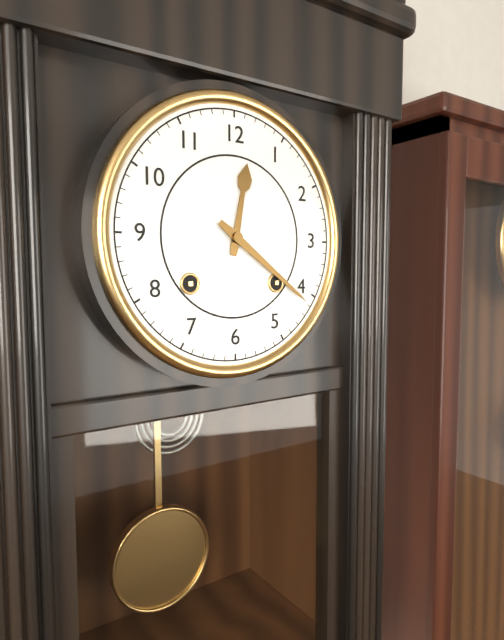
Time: {"hour": 12, "minute": 21}
